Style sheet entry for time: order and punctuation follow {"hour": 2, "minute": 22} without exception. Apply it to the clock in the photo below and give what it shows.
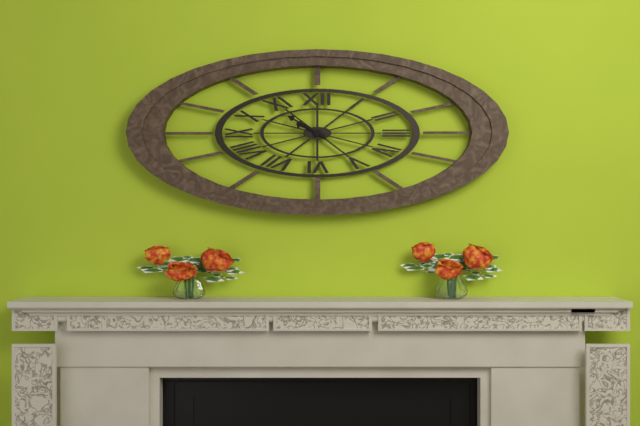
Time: {"hour": 9, "minute": 50}
